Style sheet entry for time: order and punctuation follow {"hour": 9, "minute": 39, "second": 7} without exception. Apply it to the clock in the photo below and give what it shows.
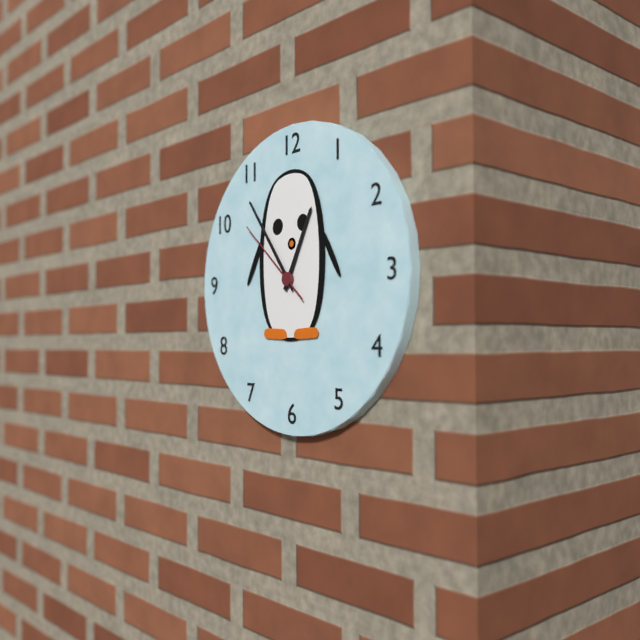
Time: {"hour": 12, "minute": 54, "second": 52}
